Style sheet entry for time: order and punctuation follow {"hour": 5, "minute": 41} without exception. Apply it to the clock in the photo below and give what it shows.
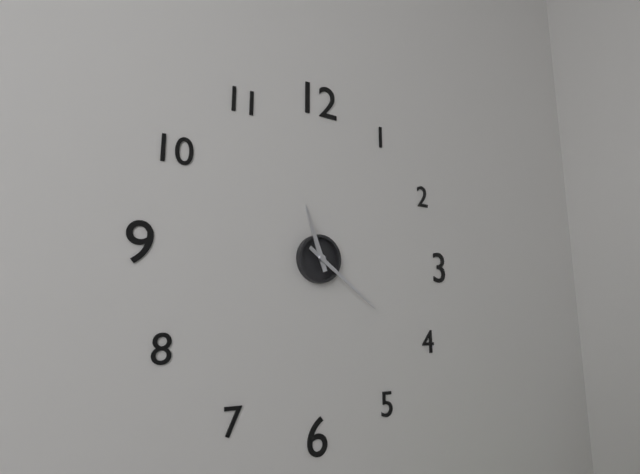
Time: {"hour": 11, "minute": 21}
